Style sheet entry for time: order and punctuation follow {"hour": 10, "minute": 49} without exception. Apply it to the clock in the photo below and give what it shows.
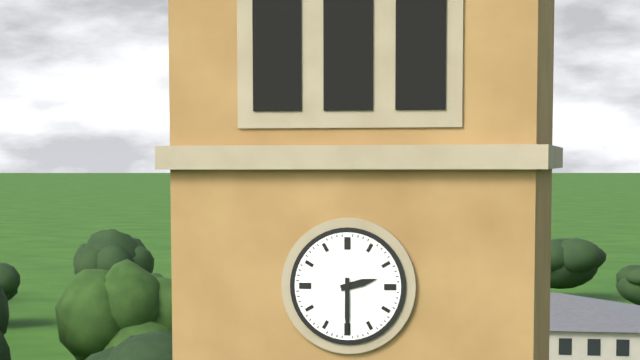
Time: {"hour": 2, "minute": 30}
